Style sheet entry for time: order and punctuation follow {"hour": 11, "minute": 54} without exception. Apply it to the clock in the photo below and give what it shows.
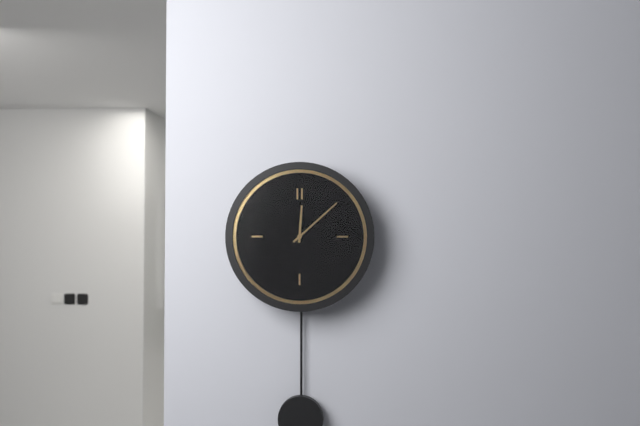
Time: {"hour": 12, "minute": 8}
